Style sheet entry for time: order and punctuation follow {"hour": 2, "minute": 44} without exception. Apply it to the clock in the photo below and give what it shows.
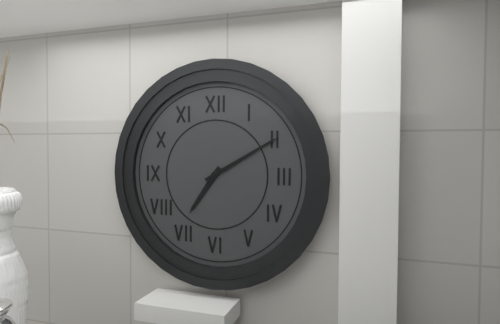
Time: {"hour": 7, "minute": 10}
